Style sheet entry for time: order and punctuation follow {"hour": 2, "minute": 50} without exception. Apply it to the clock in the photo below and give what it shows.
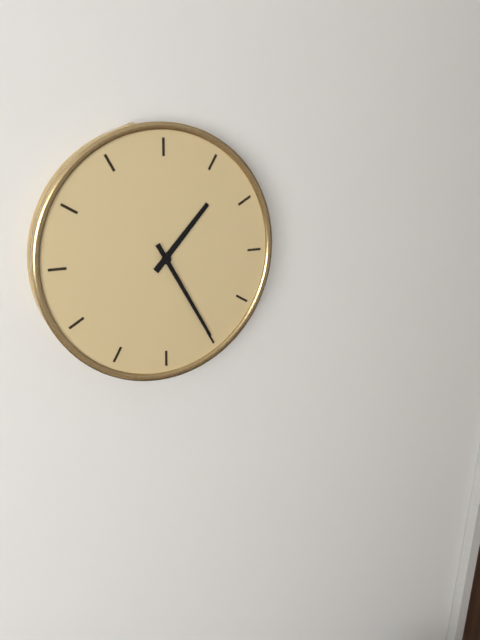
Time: {"hour": 1, "minute": 25}
